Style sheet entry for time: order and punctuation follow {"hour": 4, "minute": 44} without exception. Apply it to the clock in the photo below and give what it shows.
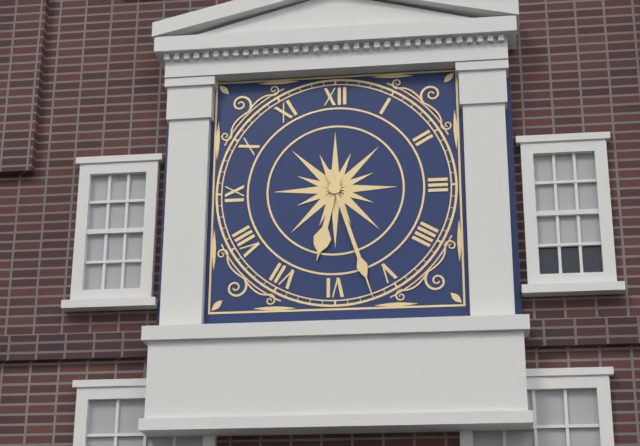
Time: {"hour": 6, "minute": 27}
